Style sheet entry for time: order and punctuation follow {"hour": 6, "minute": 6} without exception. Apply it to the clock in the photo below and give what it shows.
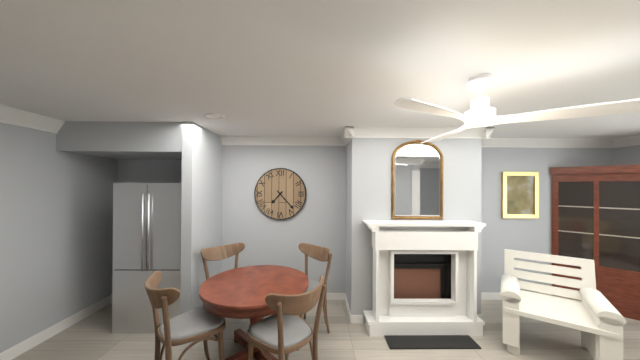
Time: {"hour": 7, "minute": 23}
